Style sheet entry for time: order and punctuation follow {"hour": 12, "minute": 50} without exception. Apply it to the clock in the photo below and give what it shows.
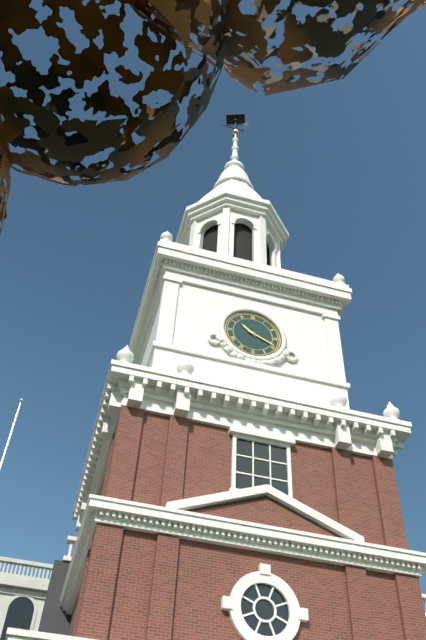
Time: {"hour": 10, "minute": 19}
